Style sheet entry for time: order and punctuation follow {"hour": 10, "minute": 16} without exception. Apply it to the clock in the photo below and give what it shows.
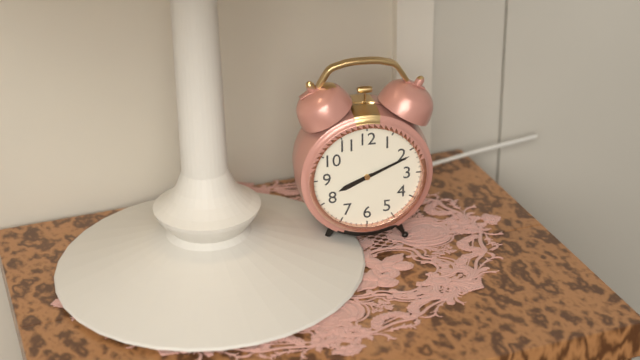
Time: {"hour": 8, "minute": 11}
